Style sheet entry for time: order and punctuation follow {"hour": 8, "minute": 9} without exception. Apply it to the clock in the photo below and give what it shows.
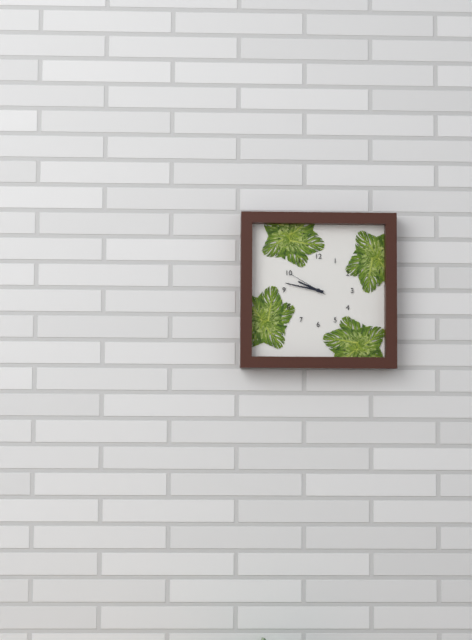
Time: {"hour": 9, "minute": 47}
